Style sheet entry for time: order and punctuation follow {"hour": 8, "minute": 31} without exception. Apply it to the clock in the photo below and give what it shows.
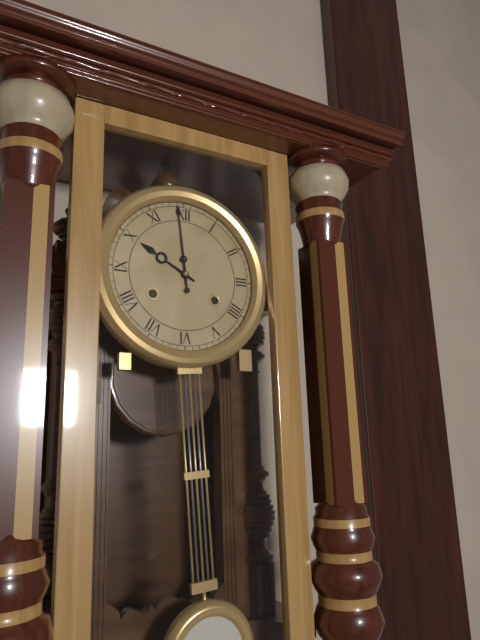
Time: {"hour": 9, "minute": 59}
